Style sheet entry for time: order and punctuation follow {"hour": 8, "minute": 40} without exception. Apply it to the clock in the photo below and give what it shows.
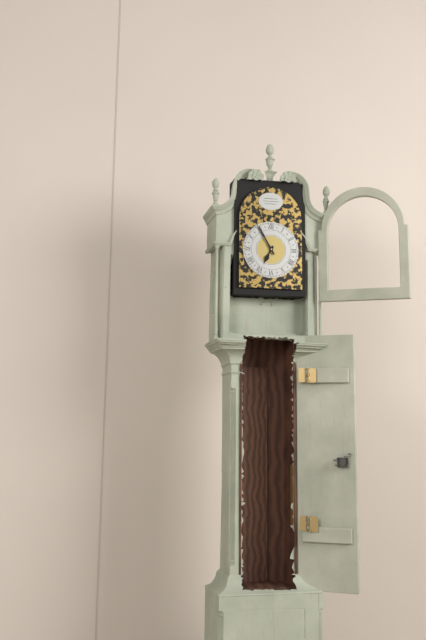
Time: {"hour": 6, "minute": 55}
